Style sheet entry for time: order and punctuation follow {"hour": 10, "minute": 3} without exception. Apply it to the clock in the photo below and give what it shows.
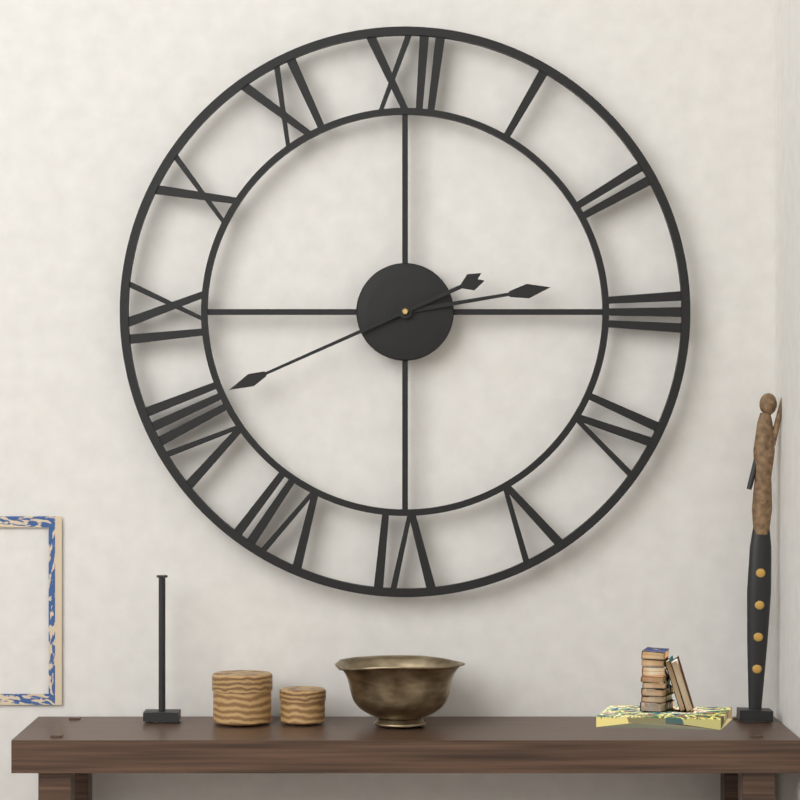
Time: {"hour": 2, "minute": 41}
